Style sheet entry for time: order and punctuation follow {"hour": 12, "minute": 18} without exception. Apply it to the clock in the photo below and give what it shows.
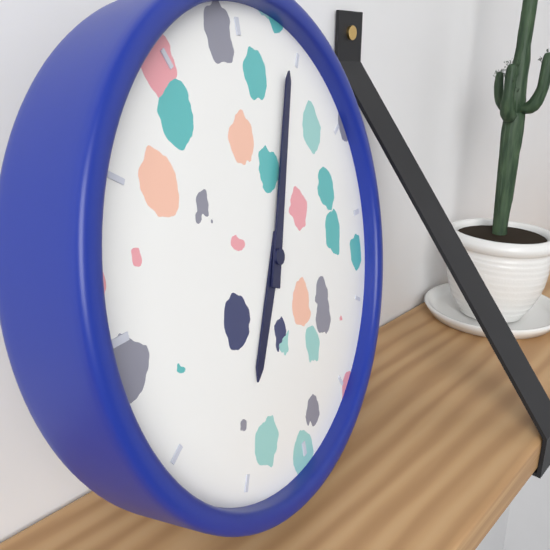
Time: {"hour": 7, "minute": 4}
